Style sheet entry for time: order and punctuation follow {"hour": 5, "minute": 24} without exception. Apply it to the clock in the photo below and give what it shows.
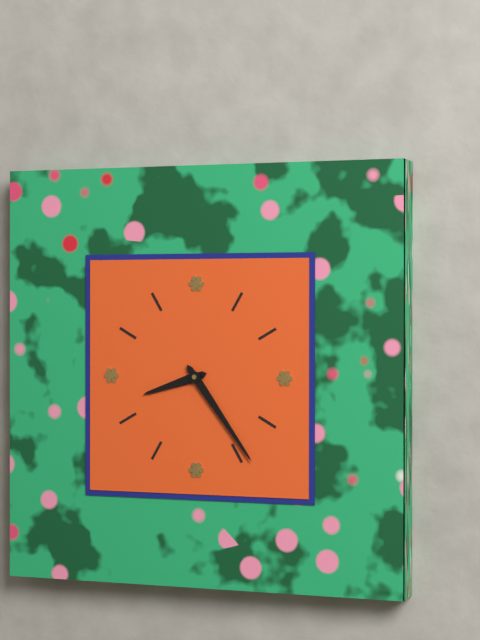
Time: {"hour": 8, "minute": 24}
